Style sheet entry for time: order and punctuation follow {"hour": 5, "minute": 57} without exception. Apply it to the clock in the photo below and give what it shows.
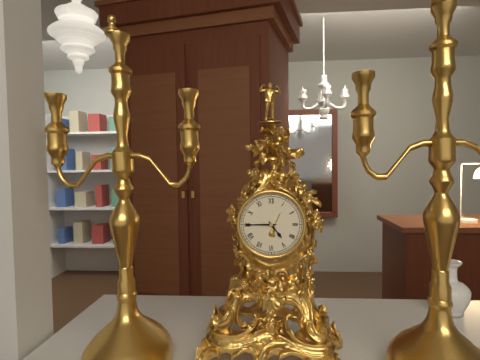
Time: {"hour": 4, "minute": 45}
